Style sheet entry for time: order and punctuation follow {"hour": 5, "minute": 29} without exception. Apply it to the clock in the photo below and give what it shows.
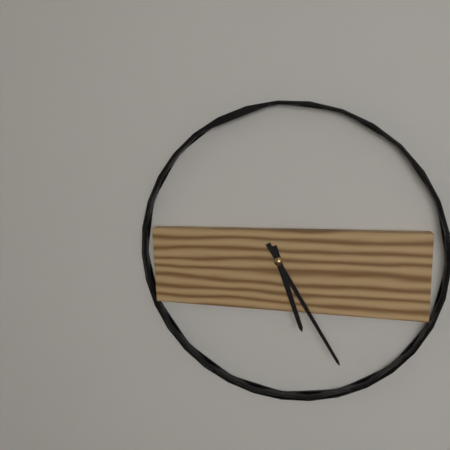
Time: {"hour": 5, "minute": 25}
